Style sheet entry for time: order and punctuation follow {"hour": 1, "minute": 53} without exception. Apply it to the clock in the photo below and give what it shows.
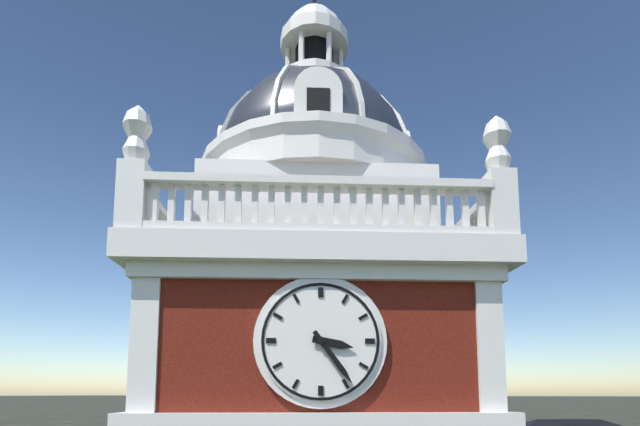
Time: {"hour": 3, "minute": 24}
